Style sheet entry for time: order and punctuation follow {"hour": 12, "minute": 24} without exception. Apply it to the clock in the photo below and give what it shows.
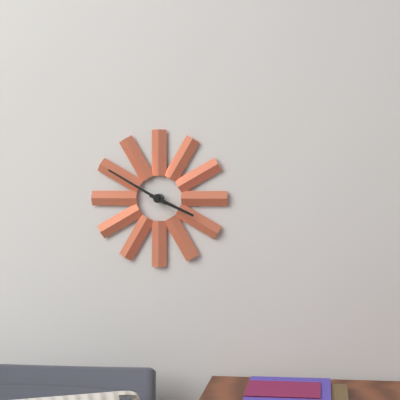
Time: {"hour": 3, "minute": 50}
